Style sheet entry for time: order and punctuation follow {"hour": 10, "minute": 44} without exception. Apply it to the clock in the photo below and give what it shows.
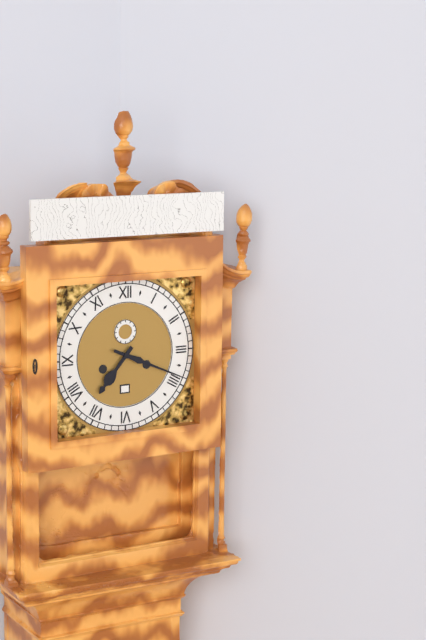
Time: {"hour": 7, "minute": 19}
